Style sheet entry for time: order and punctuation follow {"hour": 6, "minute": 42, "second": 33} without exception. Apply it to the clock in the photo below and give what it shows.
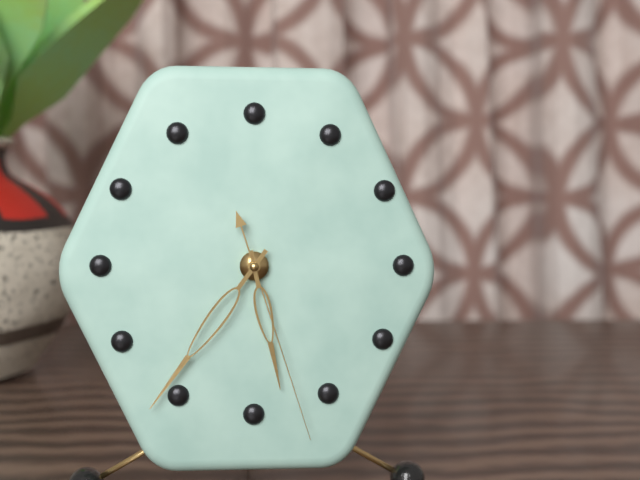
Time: {"hour": 5, "minute": 36, "second": 27}
